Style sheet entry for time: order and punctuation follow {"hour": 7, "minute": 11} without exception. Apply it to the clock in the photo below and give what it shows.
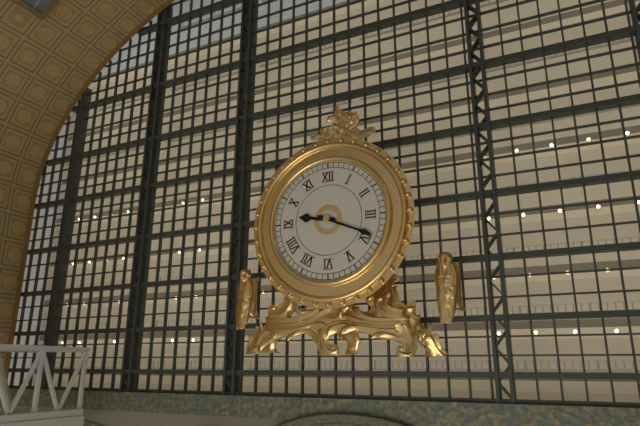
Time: {"hour": 9, "minute": 19}
